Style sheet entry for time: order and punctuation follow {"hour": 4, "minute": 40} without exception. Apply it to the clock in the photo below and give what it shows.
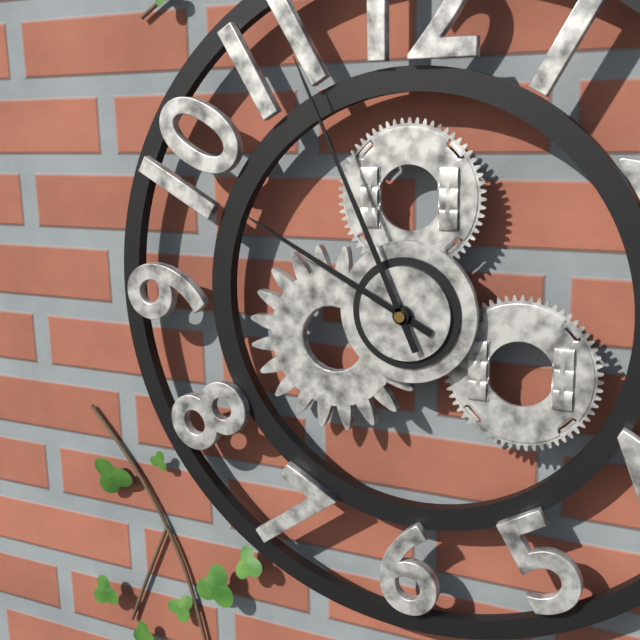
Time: {"hour": 9, "minute": 56}
